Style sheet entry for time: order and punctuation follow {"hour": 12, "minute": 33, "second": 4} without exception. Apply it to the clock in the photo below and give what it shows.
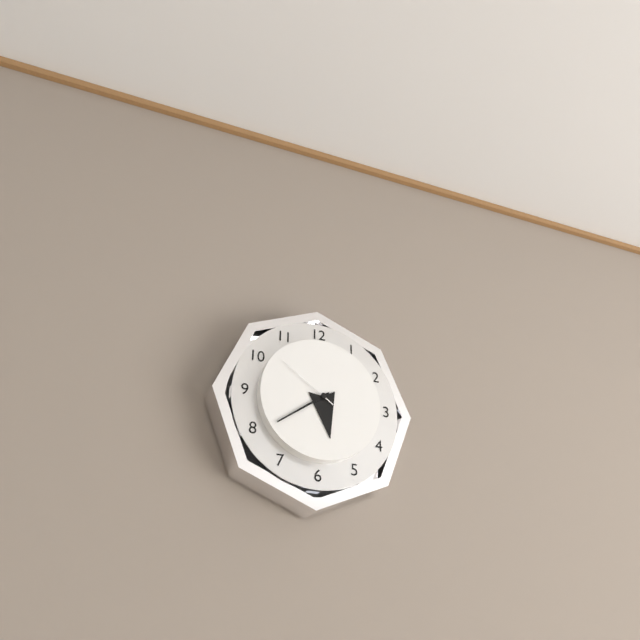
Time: {"hour": 5, "minute": 39, "second": 51}
